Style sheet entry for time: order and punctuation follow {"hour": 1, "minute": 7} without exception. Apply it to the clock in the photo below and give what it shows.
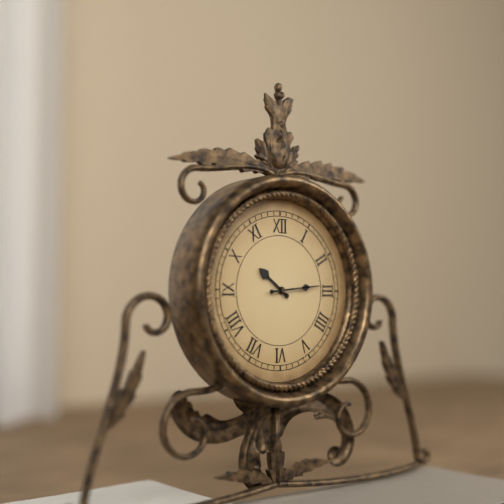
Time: {"hour": 10, "minute": 14}
